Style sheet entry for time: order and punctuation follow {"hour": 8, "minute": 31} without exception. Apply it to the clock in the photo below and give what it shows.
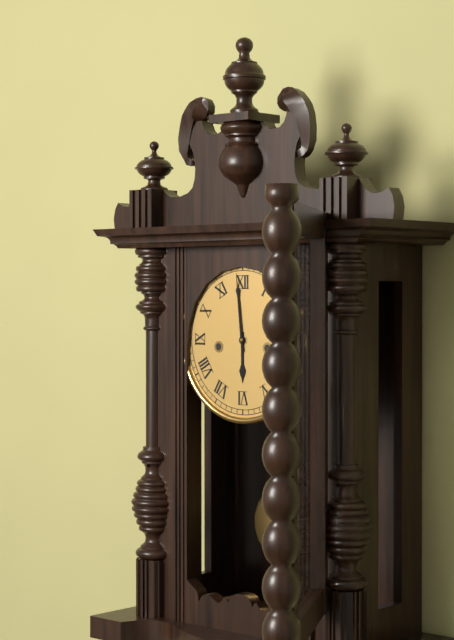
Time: {"hour": 5, "minute": 59}
